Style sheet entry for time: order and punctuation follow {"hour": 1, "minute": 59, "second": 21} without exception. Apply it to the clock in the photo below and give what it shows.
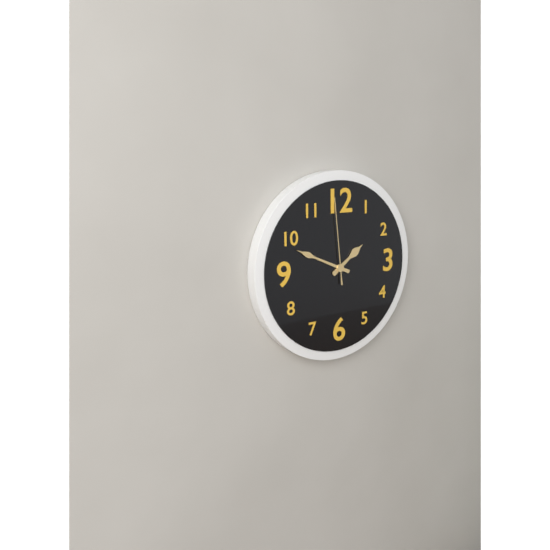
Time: {"hour": 1, "minute": 49, "second": 59}
